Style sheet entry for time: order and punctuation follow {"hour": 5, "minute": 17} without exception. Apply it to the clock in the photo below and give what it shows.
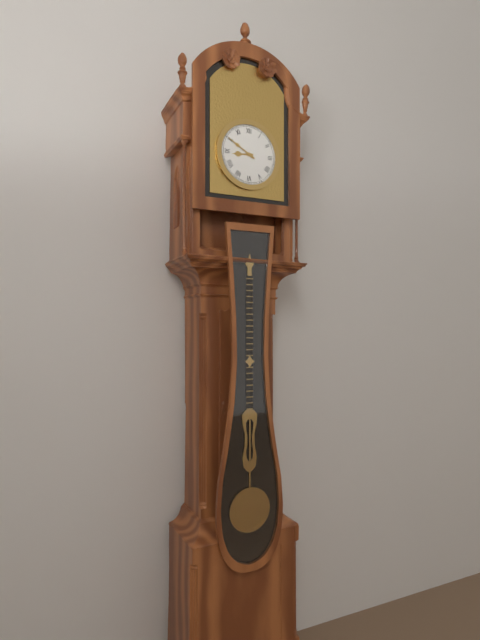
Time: {"hour": 8, "minute": 50}
